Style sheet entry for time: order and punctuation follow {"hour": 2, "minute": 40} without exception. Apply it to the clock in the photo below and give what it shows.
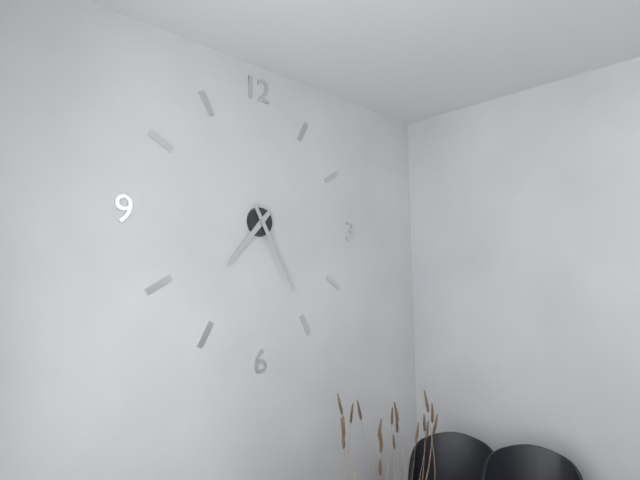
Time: {"hour": 7, "minute": 25}
